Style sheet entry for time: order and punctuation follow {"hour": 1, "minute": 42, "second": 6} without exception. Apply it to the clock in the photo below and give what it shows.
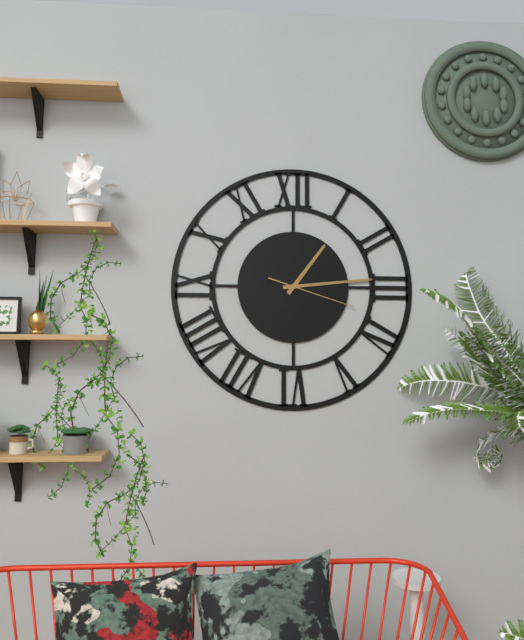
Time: {"hour": 1, "minute": 14, "second": 18}
